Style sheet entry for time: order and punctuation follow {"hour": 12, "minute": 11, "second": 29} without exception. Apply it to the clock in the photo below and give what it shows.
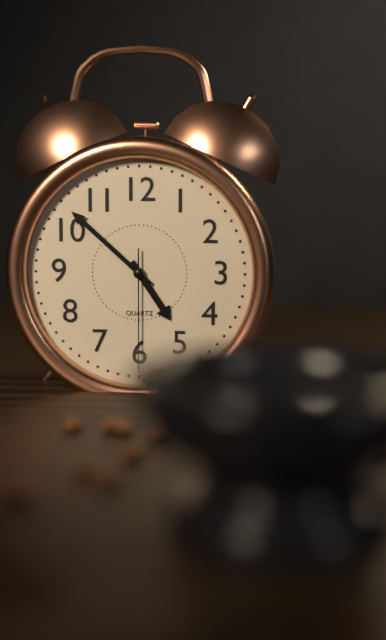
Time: {"hour": 4, "minute": 52, "second": 30}
